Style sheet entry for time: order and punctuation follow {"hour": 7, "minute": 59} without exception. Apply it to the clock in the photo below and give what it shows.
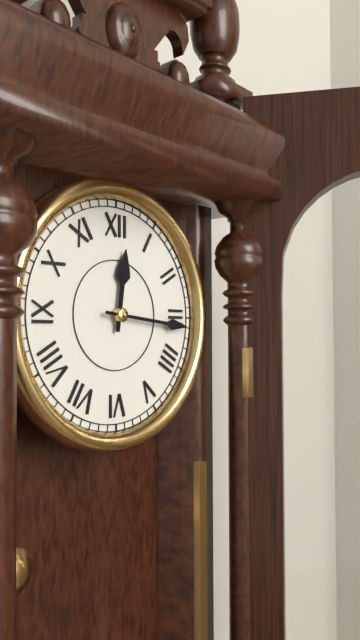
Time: {"hour": 12, "minute": 16}
